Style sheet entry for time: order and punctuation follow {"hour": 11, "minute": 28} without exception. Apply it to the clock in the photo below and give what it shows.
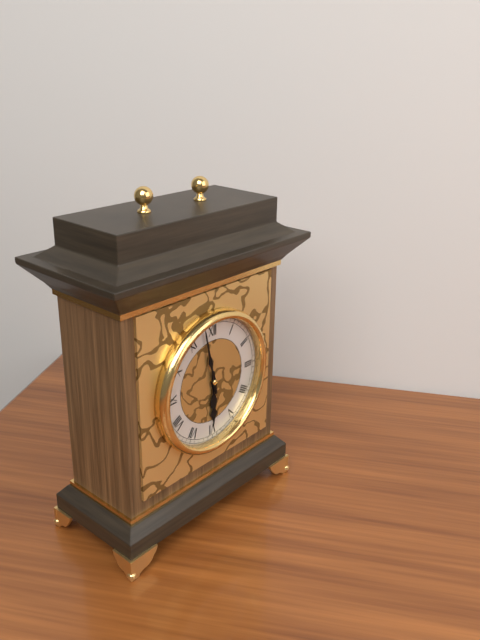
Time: {"hour": 5, "minute": 58}
